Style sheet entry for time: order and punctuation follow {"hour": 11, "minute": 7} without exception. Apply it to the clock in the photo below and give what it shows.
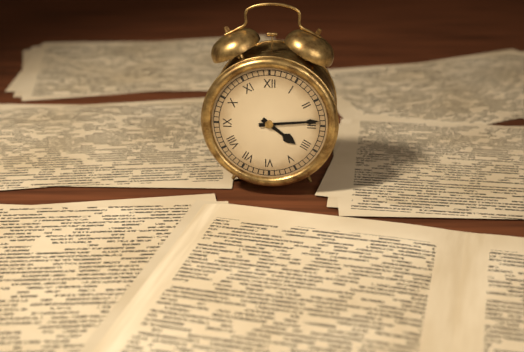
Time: {"hour": 4, "minute": 14}
